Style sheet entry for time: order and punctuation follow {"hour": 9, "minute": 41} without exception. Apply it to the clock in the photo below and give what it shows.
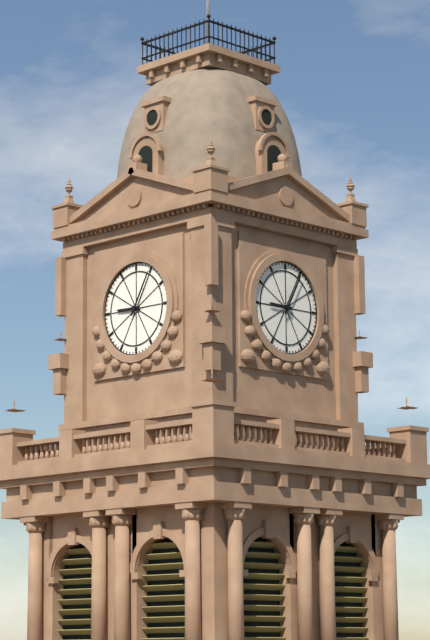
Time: {"hour": 9, "minute": 5}
